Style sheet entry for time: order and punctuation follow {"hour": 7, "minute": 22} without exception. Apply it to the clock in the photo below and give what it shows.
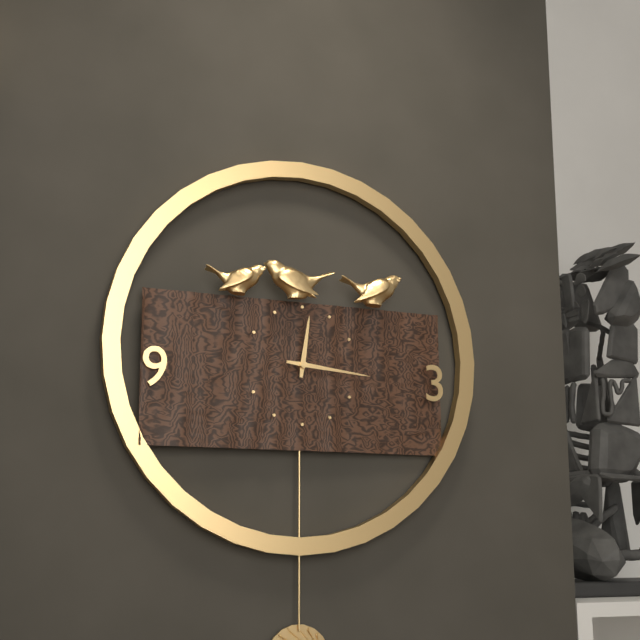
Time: {"hour": 12, "minute": 16}
